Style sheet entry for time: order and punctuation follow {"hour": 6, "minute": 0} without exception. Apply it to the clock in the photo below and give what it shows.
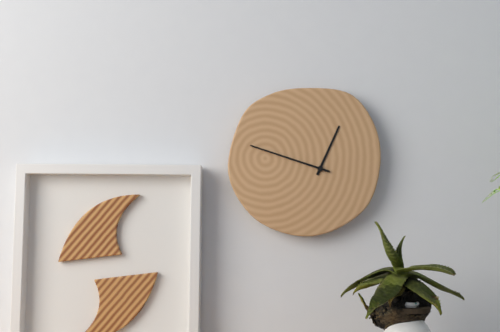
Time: {"hour": 12, "minute": 48}
